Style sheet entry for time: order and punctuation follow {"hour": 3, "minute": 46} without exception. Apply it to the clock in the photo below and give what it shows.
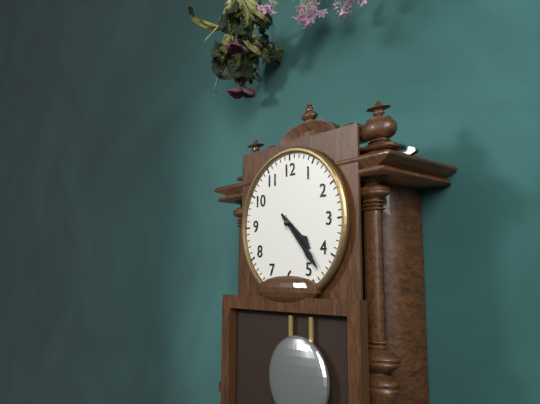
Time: {"hour": 4, "minute": 23}
